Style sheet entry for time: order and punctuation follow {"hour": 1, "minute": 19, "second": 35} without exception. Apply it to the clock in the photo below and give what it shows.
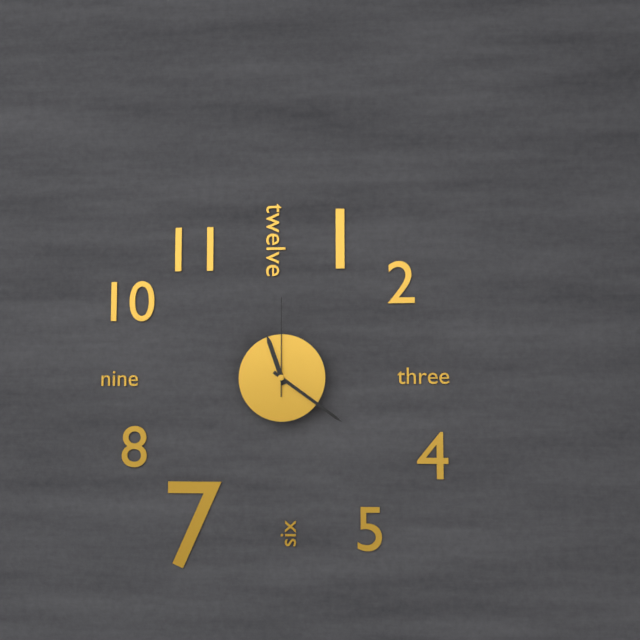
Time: {"hour": 11, "minute": 21, "second": 0}
